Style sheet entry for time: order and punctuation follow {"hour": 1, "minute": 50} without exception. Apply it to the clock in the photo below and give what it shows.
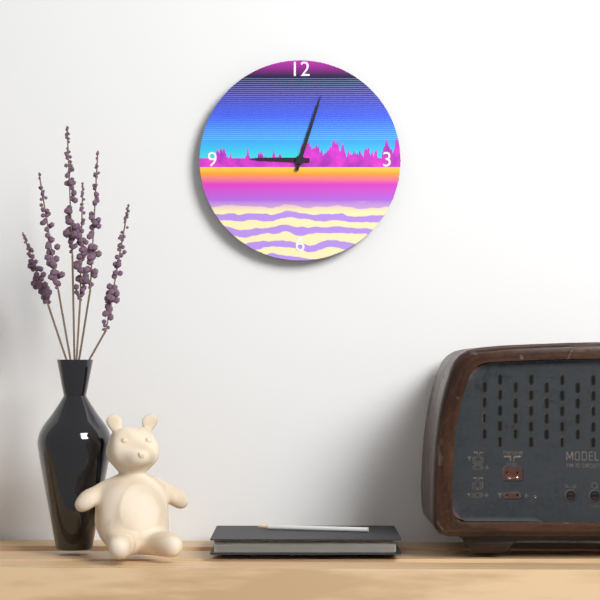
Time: {"hour": 9, "minute": 3}
